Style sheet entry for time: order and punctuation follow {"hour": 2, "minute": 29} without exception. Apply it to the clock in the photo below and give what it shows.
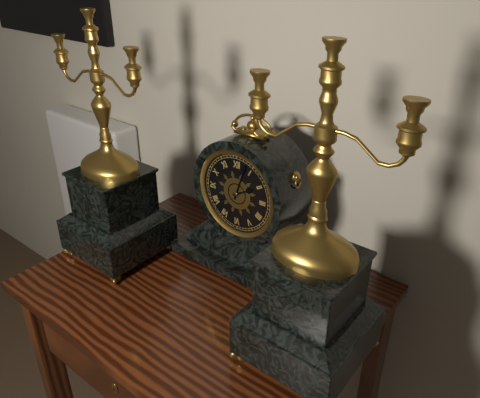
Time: {"hour": 2, "minute": 3}
